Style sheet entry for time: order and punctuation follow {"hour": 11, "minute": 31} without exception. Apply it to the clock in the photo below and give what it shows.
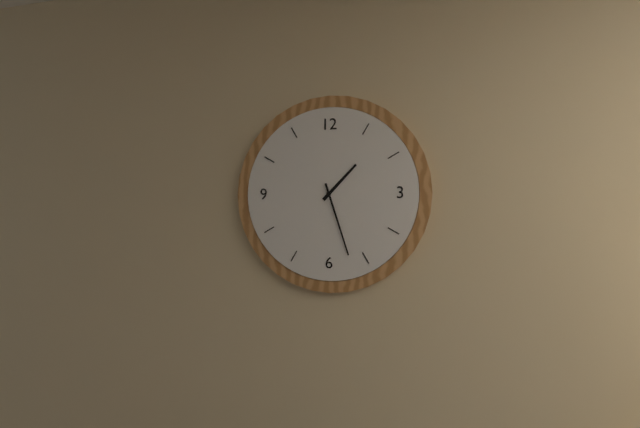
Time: {"hour": 1, "minute": 27}
